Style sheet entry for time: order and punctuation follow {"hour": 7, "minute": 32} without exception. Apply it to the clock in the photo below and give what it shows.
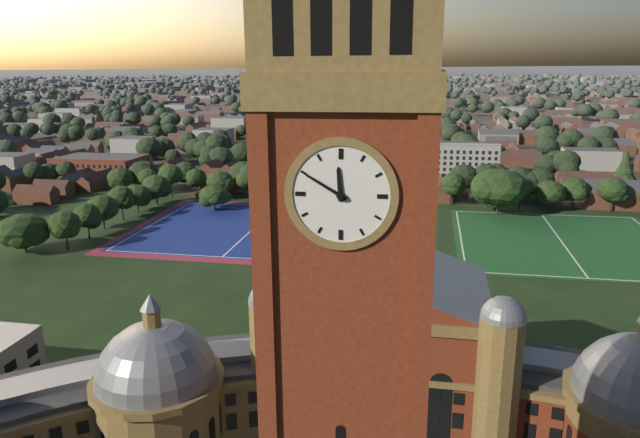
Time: {"hour": 11, "minute": 50}
